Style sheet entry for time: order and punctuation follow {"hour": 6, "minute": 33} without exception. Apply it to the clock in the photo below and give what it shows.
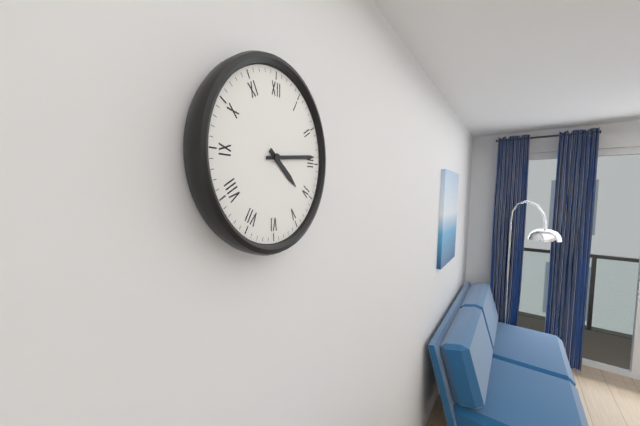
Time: {"hour": 4, "minute": 14}
